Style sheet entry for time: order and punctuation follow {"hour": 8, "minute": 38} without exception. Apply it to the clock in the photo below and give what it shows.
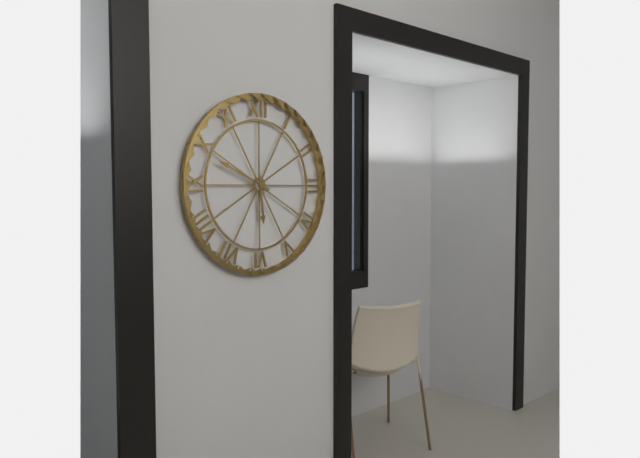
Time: {"hour": 5, "minute": 49}
